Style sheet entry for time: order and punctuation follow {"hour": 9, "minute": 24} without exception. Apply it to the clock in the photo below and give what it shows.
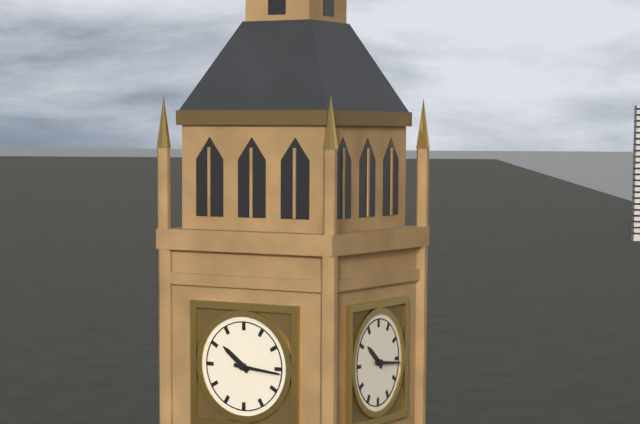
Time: {"hour": 10, "minute": 16}
